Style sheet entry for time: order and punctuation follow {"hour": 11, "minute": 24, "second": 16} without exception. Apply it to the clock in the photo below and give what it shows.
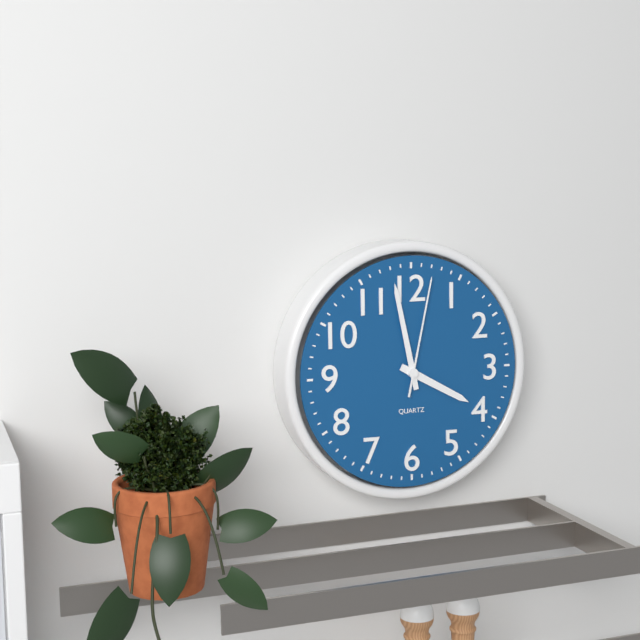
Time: {"hour": 3, "minute": 58, "second": 2}
